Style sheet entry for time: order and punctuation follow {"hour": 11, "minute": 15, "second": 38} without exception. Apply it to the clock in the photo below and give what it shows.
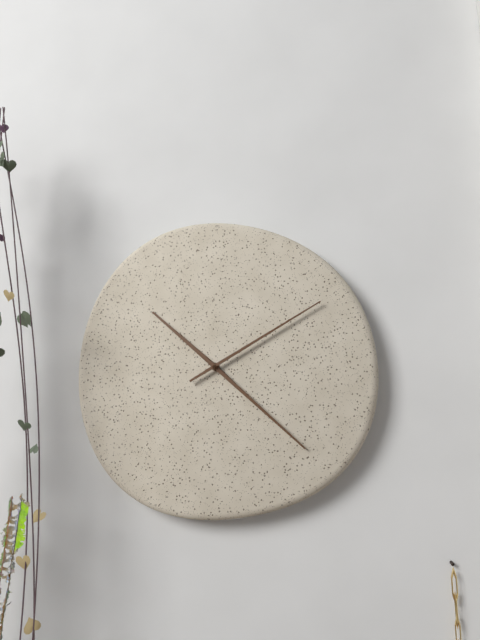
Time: {"hour": 10, "minute": 22, "second": 10}
